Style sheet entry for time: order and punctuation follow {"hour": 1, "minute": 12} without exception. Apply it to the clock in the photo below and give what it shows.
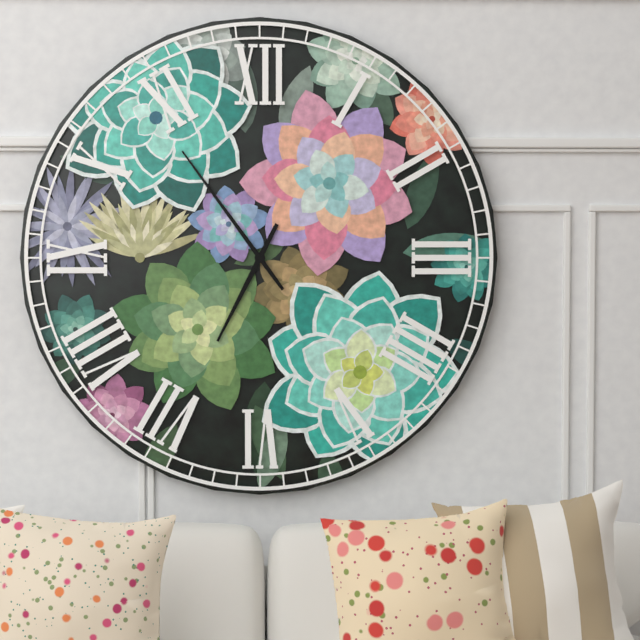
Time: {"hour": 6, "minute": 54}
